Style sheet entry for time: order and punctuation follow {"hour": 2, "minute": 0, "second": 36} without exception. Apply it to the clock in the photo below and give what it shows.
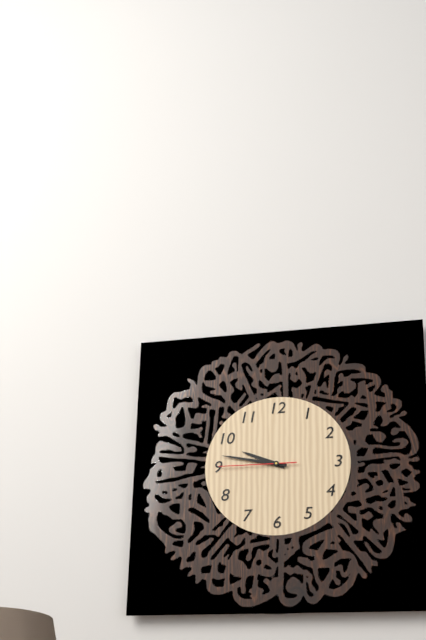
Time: {"hour": 9, "minute": 47, "second": 45}
